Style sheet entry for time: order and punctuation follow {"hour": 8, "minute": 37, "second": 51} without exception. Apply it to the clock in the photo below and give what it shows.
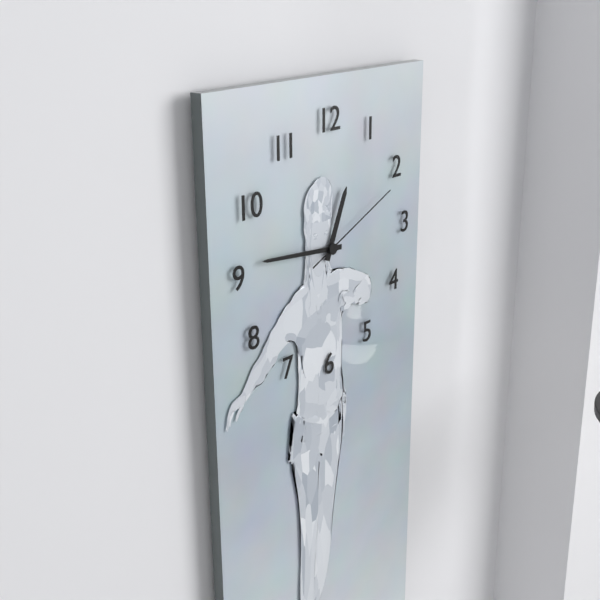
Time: {"hour": 12, "minute": 46, "second": 11}
